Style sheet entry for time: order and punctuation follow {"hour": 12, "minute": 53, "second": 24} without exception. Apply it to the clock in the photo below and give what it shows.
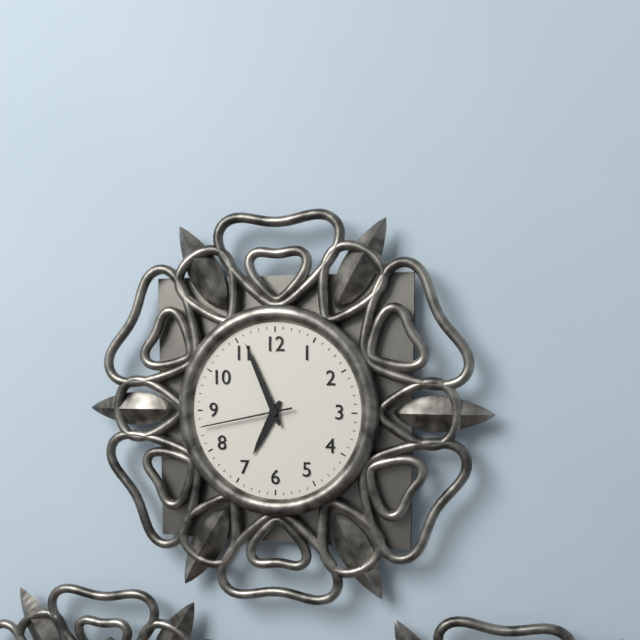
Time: {"hour": 6, "minute": 56, "second": 43}
